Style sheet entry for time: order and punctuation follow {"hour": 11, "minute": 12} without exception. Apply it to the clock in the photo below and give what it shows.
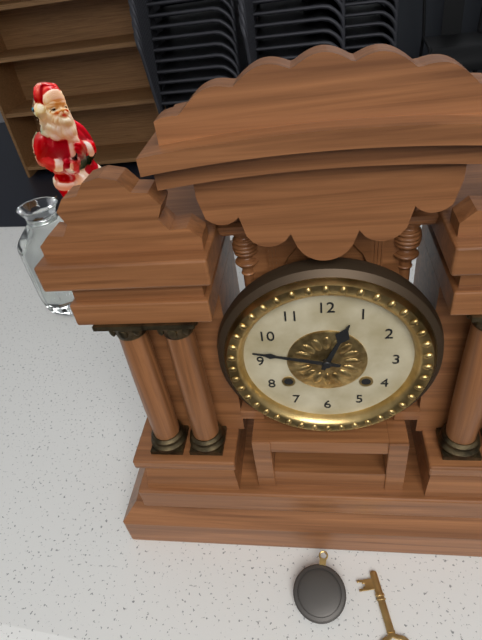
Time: {"hour": 12, "minute": 47}
